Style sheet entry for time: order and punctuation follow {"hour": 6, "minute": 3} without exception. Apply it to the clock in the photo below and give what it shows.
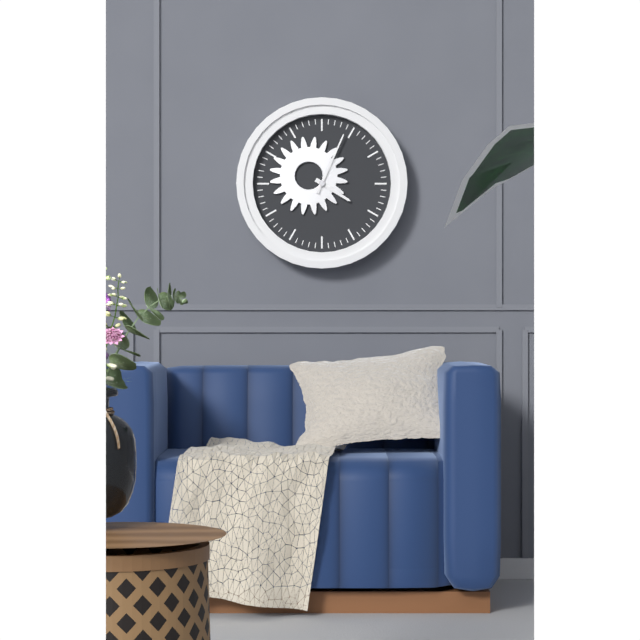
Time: {"hour": 4, "minute": 4}
